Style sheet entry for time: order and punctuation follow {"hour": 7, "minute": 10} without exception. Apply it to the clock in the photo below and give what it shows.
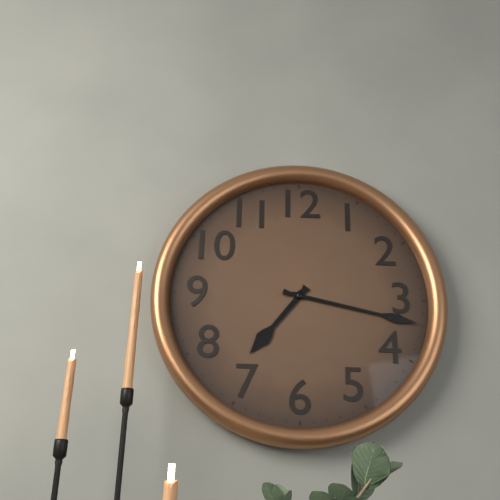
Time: {"hour": 7, "minute": 17}
